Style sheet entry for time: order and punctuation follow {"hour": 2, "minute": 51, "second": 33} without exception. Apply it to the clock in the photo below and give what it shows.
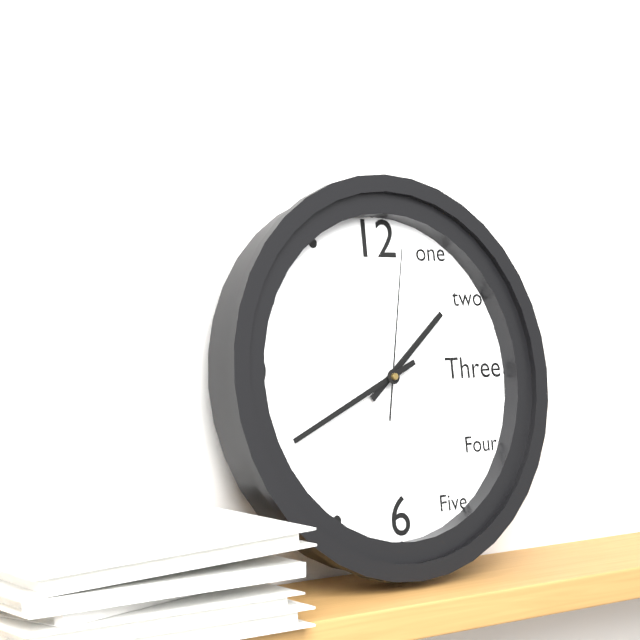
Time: {"hour": 1, "minute": 41, "second": 2}
